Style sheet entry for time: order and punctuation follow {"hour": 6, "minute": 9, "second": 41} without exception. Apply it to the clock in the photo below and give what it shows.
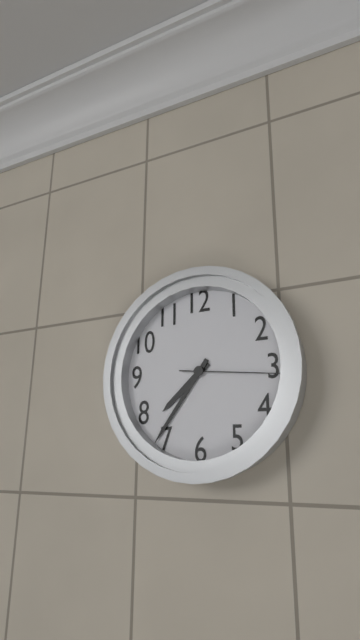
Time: {"hour": 7, "minute": 36, "second": 16}
